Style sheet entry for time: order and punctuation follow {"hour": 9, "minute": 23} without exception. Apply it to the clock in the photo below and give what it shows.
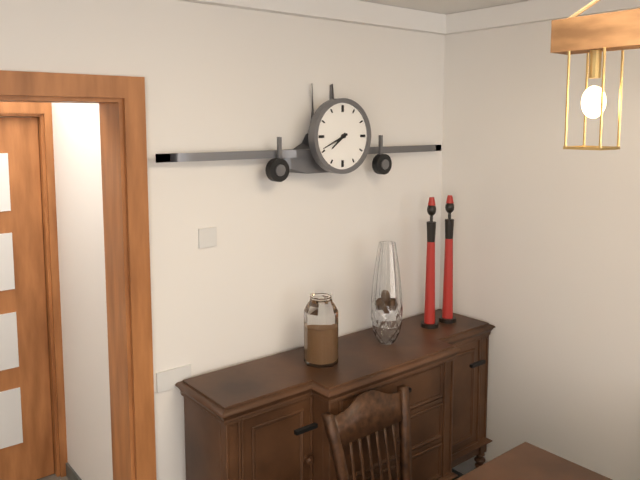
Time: {"hour": 7, "minute": 41}
